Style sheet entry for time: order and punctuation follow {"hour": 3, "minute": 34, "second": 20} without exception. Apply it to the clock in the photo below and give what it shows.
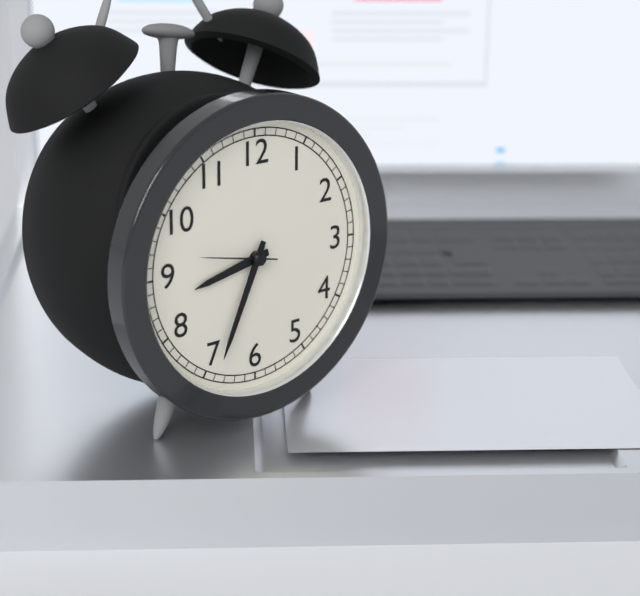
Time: {"hour": 8, "minute": 34, "second": 47}
